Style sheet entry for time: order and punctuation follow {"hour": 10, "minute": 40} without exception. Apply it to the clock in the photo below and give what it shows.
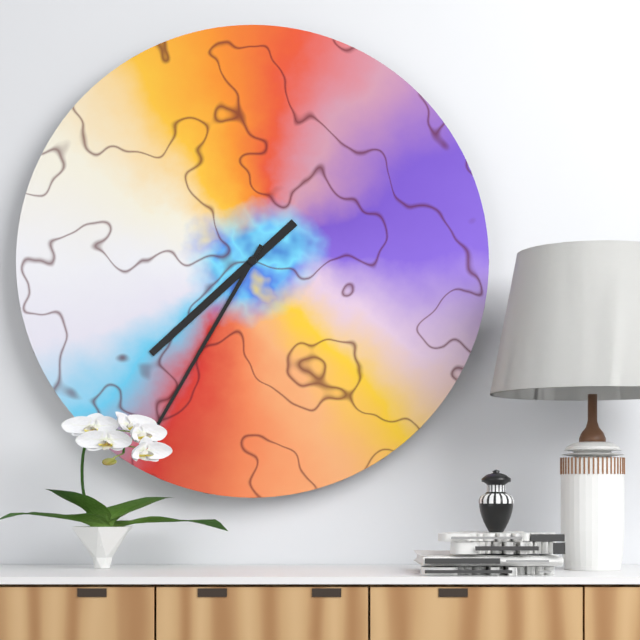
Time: {"hour": 7, "minute": 35}
